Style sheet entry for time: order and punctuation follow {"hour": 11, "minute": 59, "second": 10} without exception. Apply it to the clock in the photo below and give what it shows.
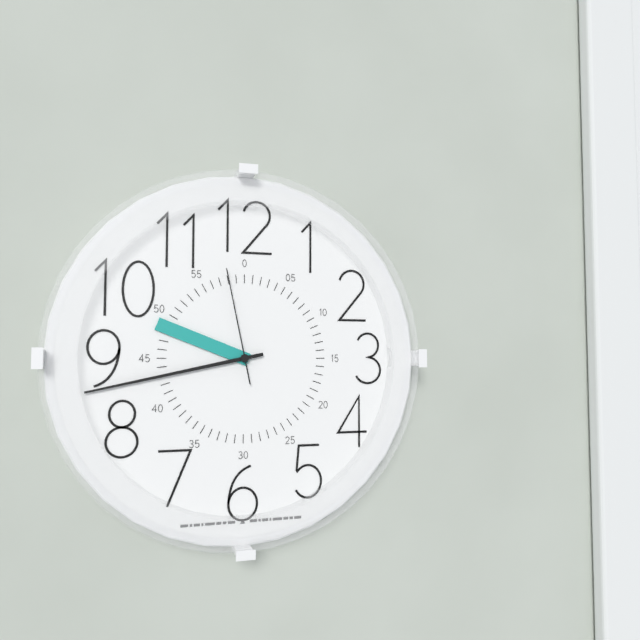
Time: {"hour": 9, "minute": 43, "second": 58}
